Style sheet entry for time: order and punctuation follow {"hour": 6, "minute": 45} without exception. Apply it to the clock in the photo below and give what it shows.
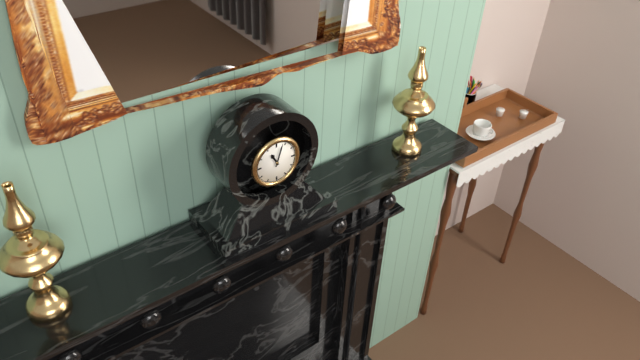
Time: {"hour": 11, "minute": 3}
